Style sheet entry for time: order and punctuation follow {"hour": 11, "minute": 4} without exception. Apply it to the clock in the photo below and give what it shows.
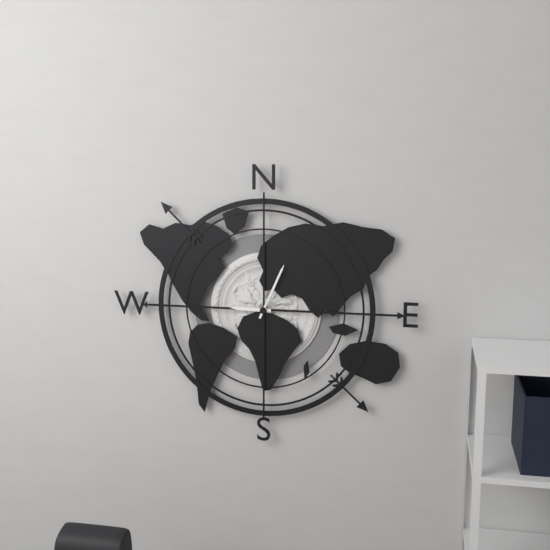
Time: {"hour": 9, "minute": 4}
